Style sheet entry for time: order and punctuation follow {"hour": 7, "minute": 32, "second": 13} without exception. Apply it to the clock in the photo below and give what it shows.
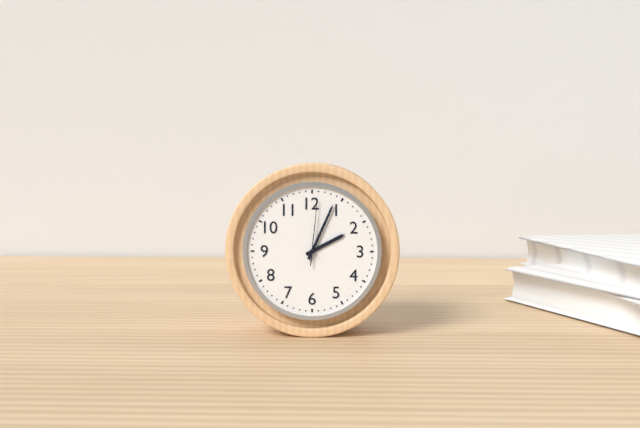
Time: {"hour": 2, "minute": 4, "second": 1}
